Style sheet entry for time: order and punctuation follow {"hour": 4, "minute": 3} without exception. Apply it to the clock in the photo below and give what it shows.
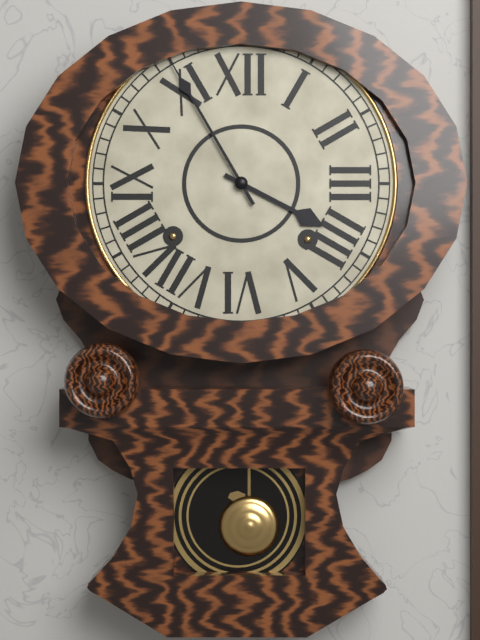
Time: {"hour": 3, "minute": 55}
